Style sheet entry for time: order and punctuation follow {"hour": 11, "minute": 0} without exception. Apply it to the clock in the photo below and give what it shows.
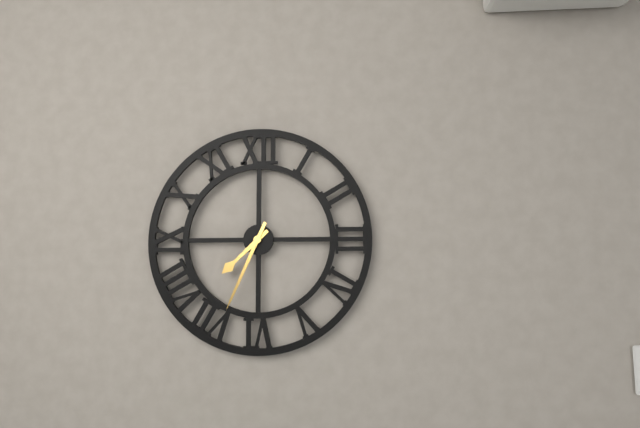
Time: {"hour": 7, "minute": 34}
